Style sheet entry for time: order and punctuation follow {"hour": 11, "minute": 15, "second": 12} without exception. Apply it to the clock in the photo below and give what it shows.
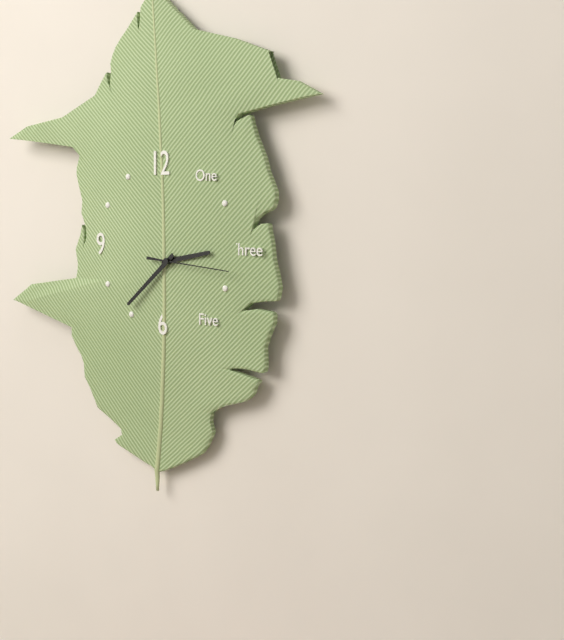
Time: {"hour": 2, "minute": 38, "second": 16}
